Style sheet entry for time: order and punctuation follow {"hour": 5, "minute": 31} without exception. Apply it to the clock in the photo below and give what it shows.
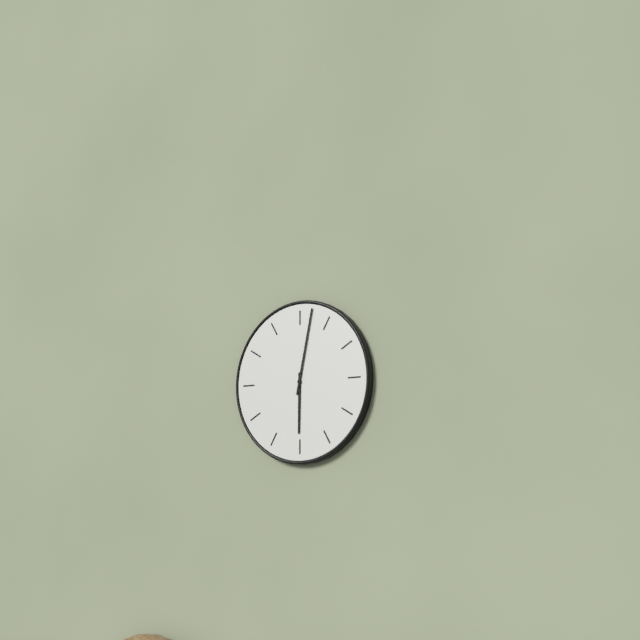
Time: {"hour": 6, "minute": 2}
